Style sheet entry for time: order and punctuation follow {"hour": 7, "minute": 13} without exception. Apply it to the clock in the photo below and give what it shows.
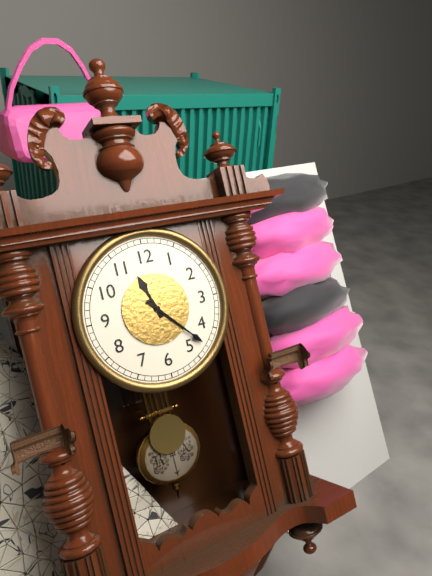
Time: {"hour": 11, "minute": 23}
